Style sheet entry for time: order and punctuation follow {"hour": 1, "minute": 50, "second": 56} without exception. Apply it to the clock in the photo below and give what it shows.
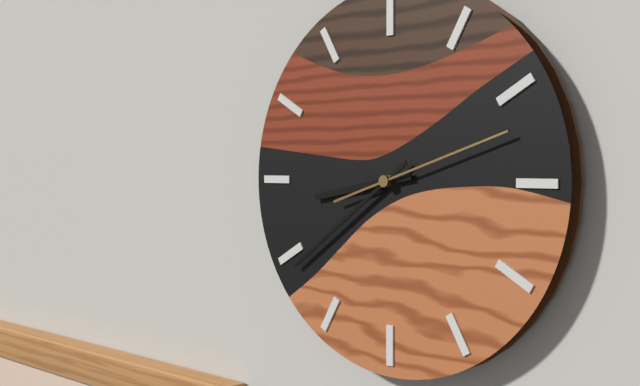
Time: {"hour": 8, "minute": 39, "second": 12}
